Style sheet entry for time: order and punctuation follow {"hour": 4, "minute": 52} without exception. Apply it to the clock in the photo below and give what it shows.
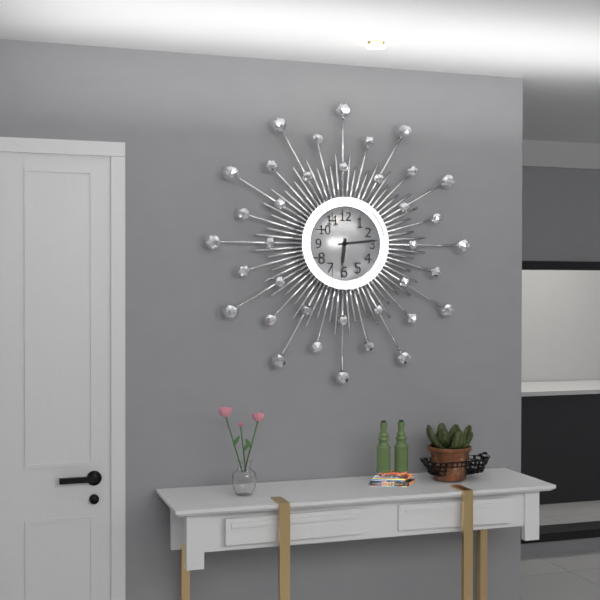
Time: {"hour": 6, "minute": 14}
